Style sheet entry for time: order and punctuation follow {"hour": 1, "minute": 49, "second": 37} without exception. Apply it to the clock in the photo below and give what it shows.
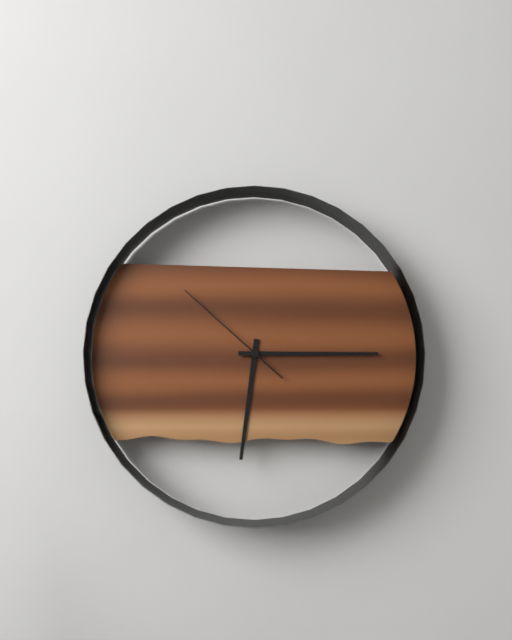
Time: {"hour": 6, "minute": 15, "second": 52}
